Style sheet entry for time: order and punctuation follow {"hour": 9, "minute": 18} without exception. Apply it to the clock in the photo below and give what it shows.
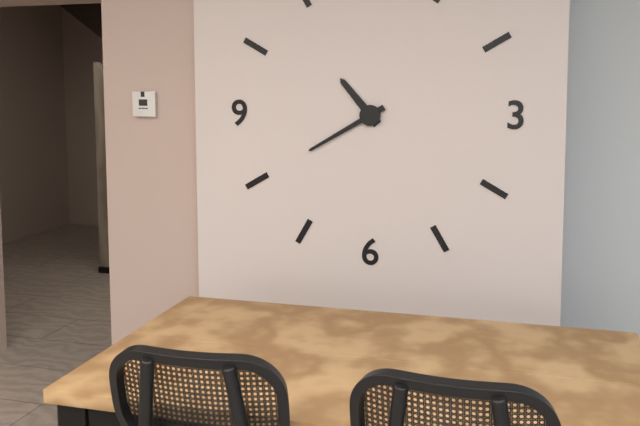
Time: {"hour": 10, "minute": 40}
